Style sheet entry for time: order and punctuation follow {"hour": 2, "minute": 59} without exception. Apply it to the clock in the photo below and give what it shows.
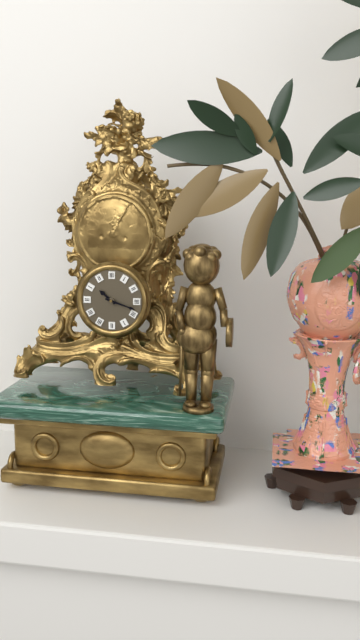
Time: {"hour": 10, "minute": 18}
